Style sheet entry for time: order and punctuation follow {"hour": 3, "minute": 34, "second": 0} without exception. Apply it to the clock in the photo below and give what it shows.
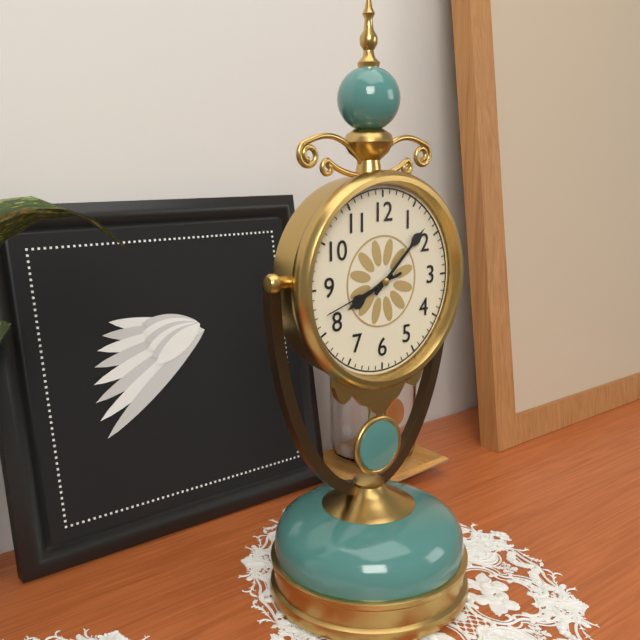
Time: {"hour": 8, "minute": 8, "second": 42}
